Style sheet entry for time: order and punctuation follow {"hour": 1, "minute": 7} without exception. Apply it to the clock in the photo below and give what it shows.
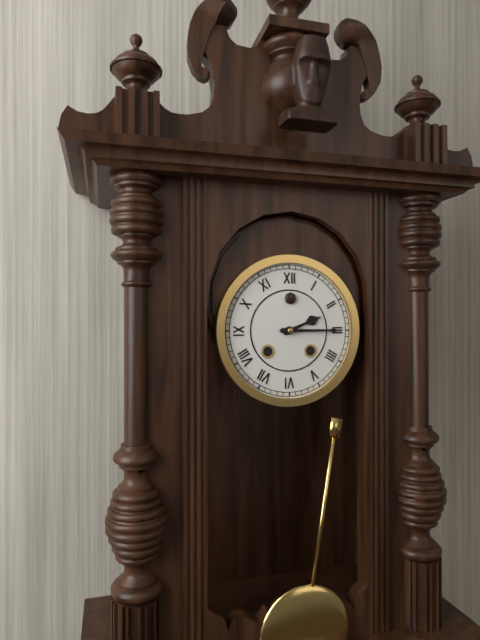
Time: {"hour": 2, "minute": 15}
